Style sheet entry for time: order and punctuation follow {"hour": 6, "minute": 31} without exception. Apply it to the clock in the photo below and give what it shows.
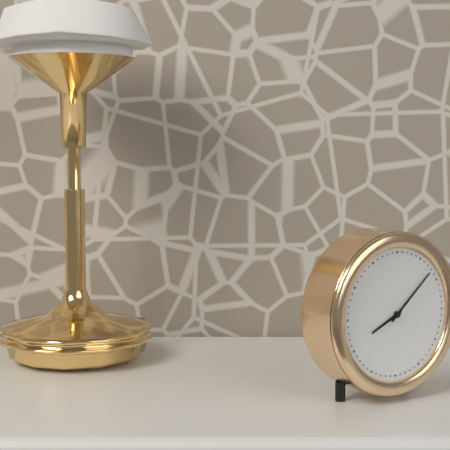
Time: {"hour": 8, "minute": 8}
